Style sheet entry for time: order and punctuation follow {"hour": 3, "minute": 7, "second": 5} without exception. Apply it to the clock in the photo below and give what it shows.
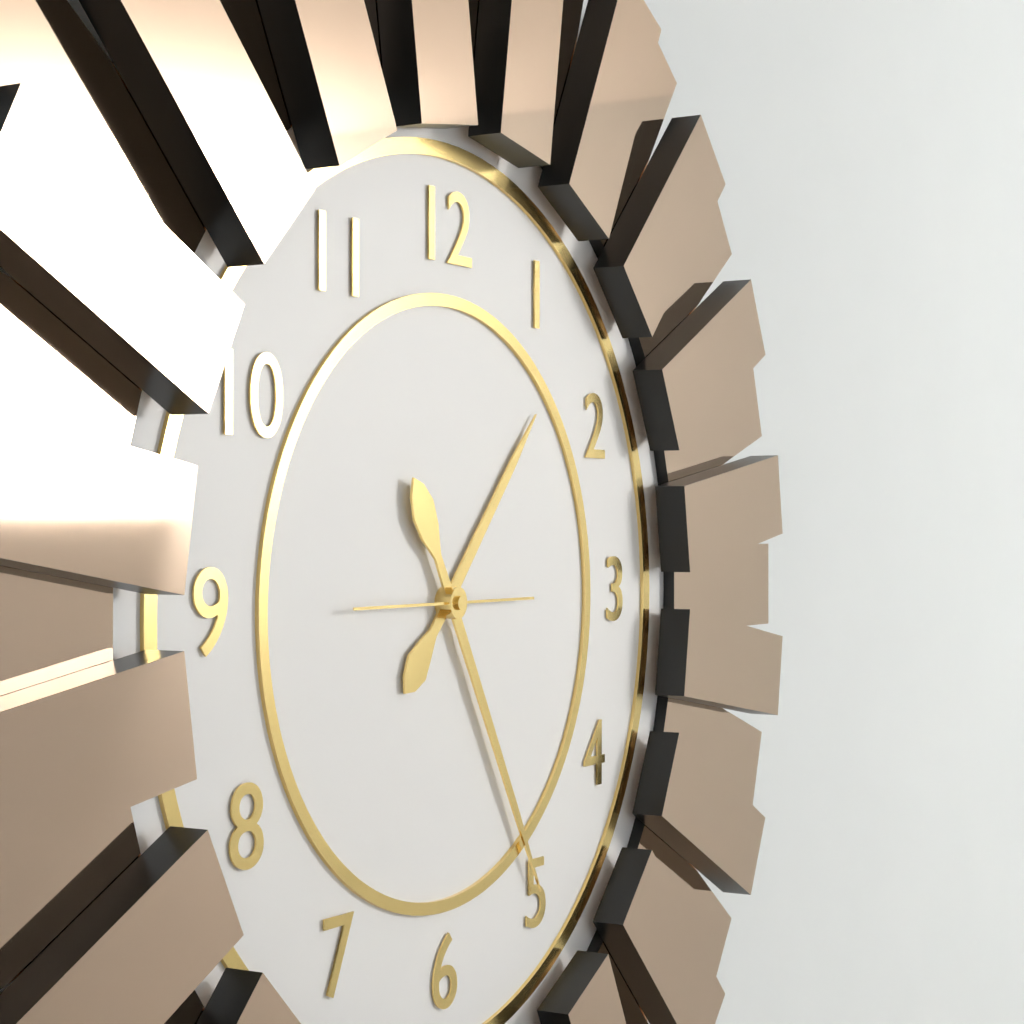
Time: {"hour": 1, "minute": 25, "second": 45}
